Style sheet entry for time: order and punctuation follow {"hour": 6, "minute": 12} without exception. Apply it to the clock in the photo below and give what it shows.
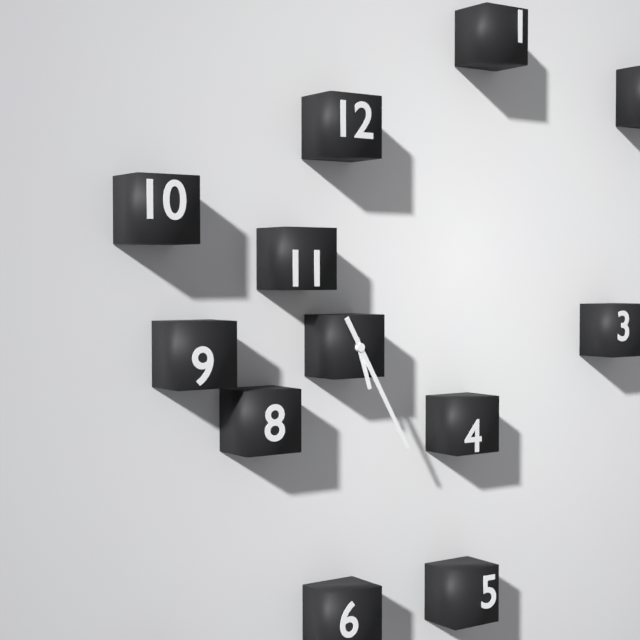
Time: {"hour": 5, "minute": 25}
